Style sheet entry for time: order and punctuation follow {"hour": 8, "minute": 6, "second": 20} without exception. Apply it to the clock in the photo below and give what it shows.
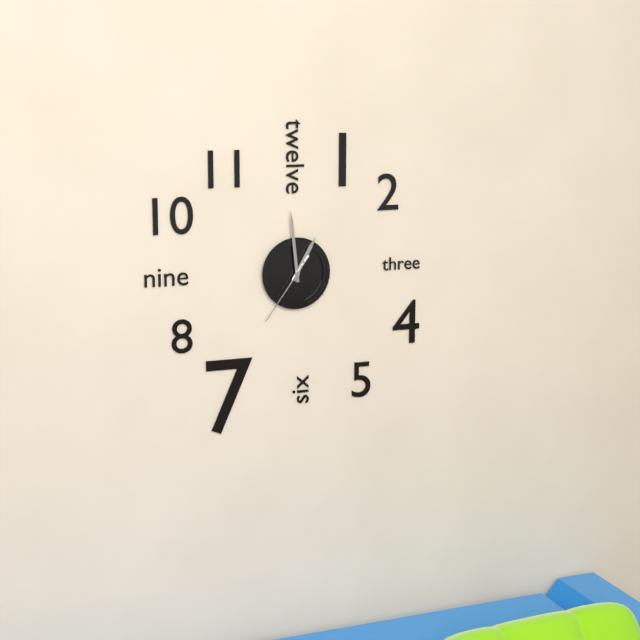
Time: {"hour": 12, "minute": 59, "second": 36}
